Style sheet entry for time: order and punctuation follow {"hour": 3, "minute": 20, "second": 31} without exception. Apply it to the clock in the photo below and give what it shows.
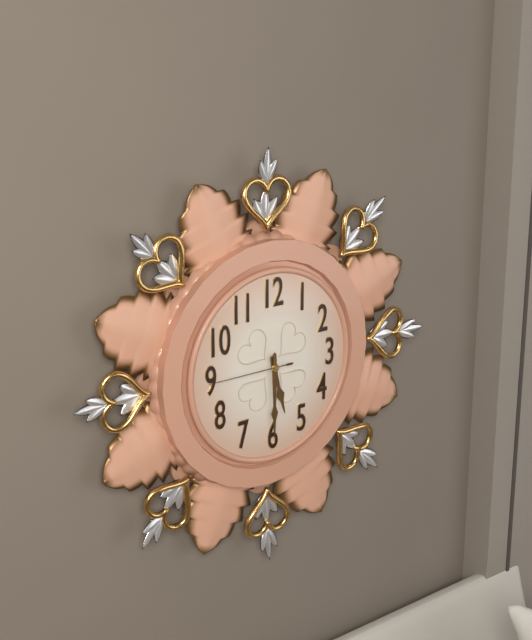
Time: {"hour": 5, "minute": 30, "second": 45}
